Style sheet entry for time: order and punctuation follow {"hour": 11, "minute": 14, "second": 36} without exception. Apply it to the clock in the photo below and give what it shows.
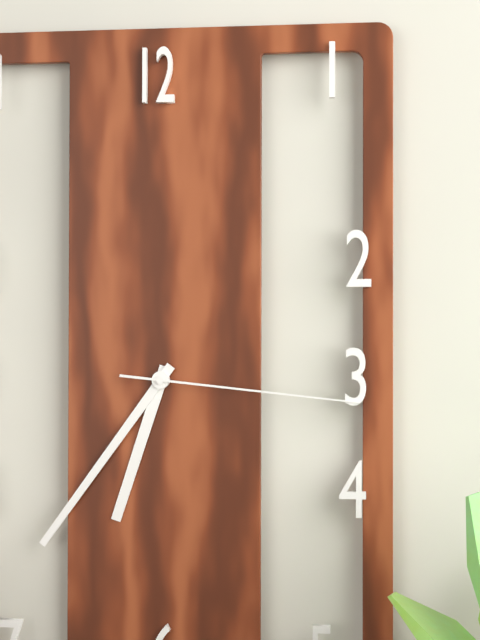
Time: {"hour": 6, "minute": 36, "second": 16}
